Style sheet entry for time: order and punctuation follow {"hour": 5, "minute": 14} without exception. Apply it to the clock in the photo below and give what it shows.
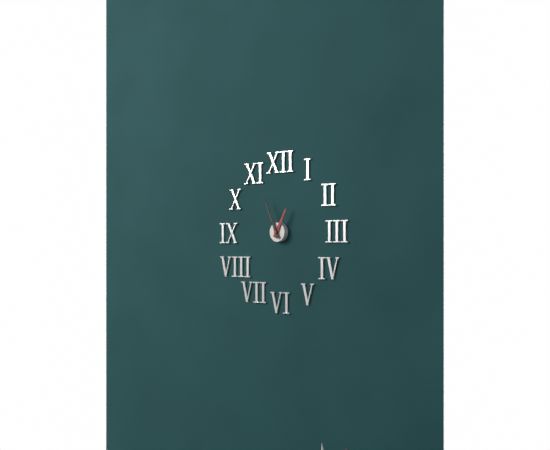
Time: {"hour": 12, "minute": 56}
